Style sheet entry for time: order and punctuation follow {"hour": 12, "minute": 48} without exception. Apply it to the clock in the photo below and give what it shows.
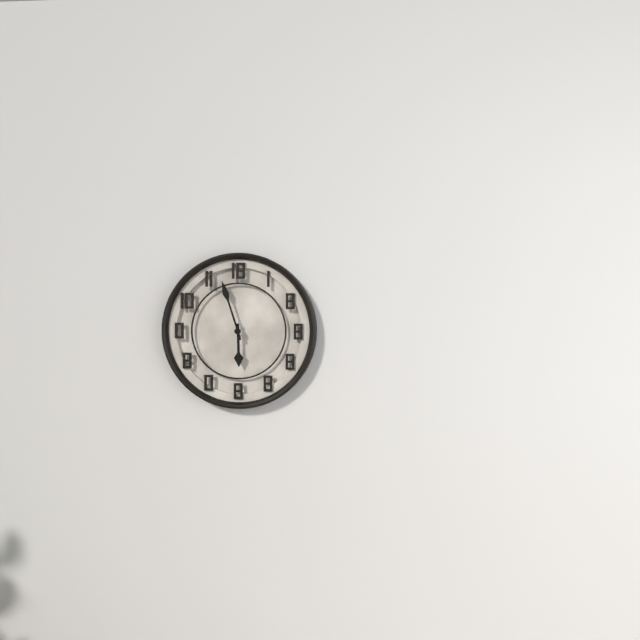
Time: {"hour": 5, "minute": 57}
